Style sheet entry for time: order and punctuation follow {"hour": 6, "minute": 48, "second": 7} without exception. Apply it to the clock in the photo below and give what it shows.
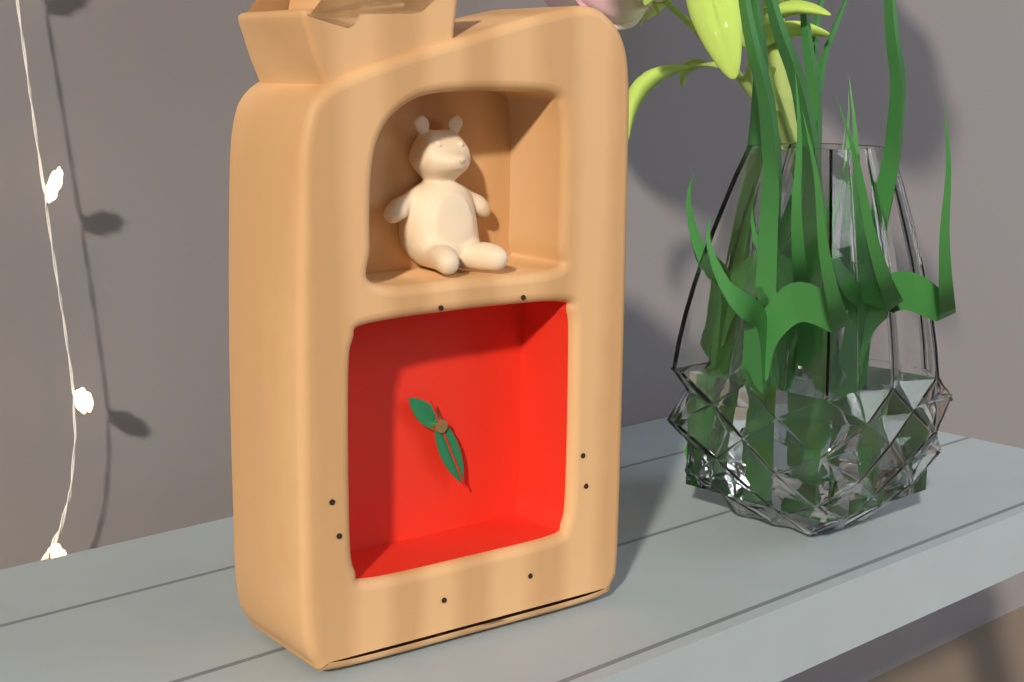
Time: {"hour": 10, "minute": 26, "second": 26}
